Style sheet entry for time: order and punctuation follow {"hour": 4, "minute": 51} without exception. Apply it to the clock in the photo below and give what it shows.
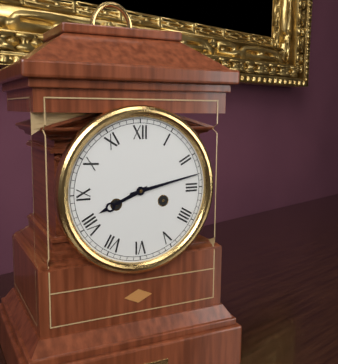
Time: {"hour": 8, "minute": 13}
